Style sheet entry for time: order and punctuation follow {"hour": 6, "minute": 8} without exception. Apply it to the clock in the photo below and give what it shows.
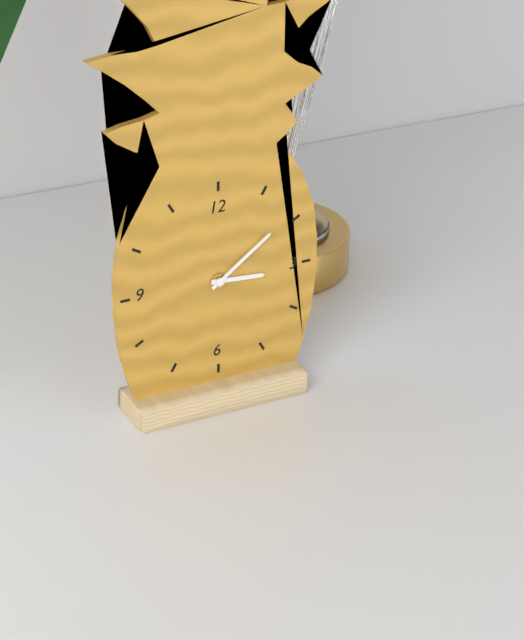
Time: {"hour": 3, "minute": 9}
